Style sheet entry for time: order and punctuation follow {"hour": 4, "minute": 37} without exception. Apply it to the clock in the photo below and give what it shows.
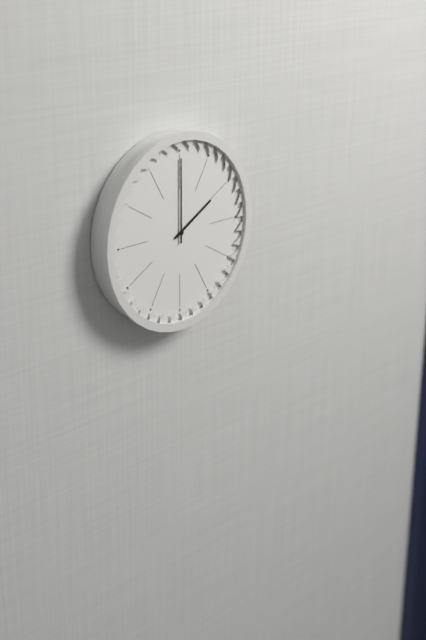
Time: {"hour": 2, "minute": 0}
